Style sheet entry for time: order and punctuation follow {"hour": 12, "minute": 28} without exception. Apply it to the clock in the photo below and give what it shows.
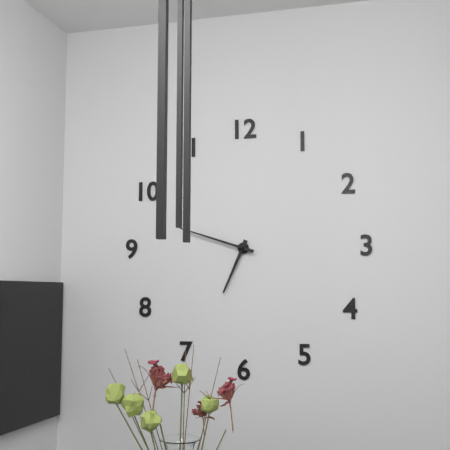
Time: {"hour": 6, "minute": 48}
